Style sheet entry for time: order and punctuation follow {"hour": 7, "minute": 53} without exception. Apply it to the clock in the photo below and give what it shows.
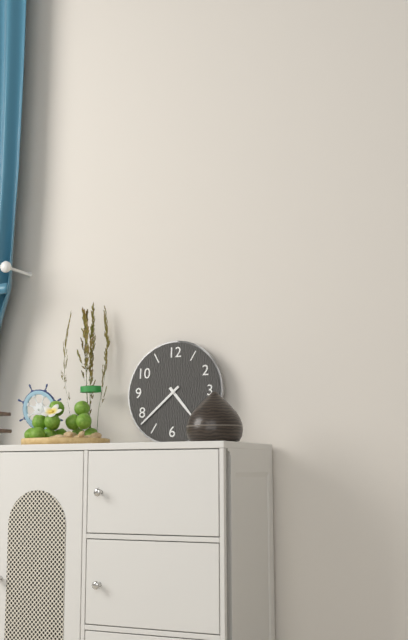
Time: {"hour": 4, "minute": 38}
